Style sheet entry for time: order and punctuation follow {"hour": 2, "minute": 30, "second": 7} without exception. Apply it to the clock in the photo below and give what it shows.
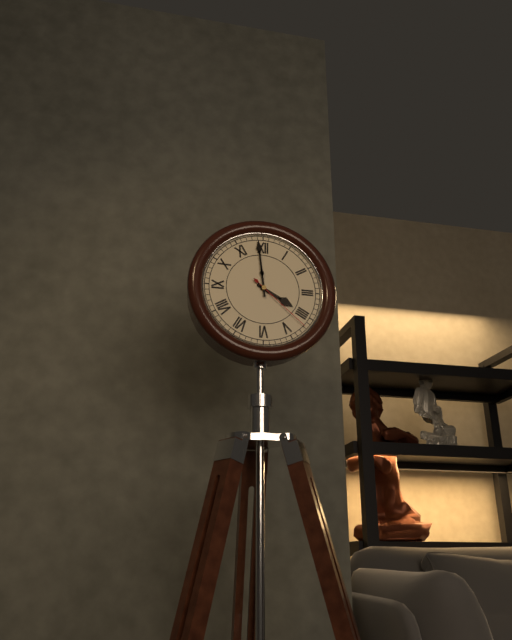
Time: {"hour": 3, "minute": 59, "second": 22}
